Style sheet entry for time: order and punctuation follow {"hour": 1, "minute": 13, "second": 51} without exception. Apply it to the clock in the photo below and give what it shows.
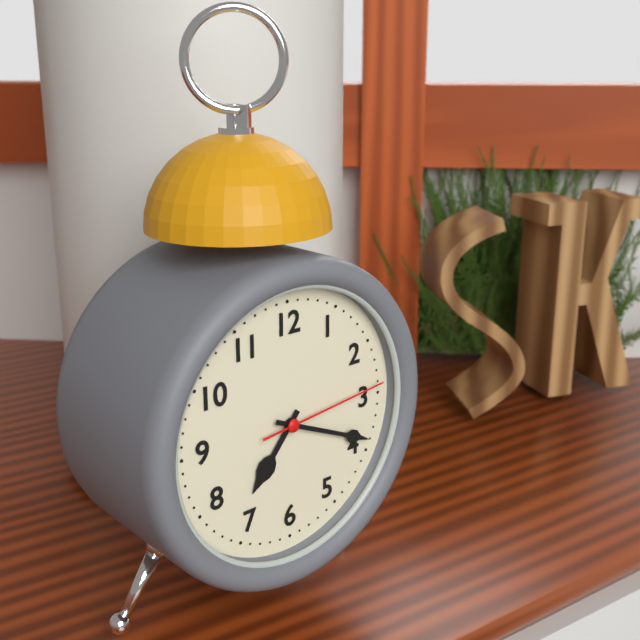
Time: {"hour": 7, "minute": 19, "second": 14}
